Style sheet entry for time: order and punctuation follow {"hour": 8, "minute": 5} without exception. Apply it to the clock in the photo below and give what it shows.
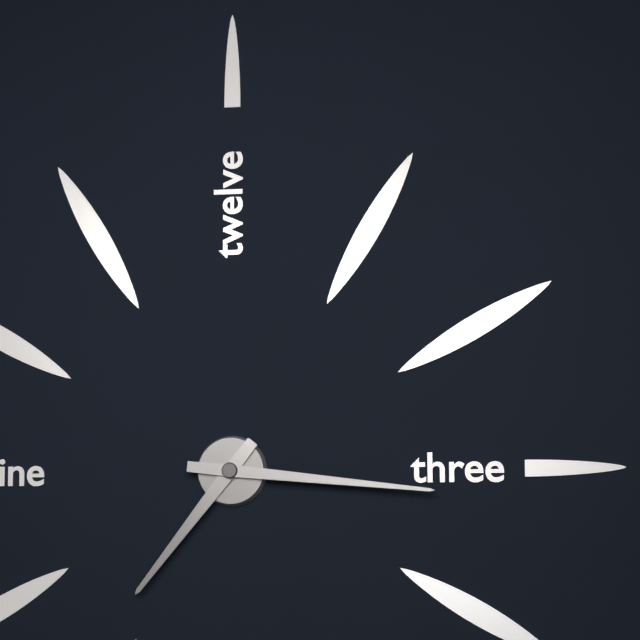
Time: {"hour": 7, "minute": 16}
